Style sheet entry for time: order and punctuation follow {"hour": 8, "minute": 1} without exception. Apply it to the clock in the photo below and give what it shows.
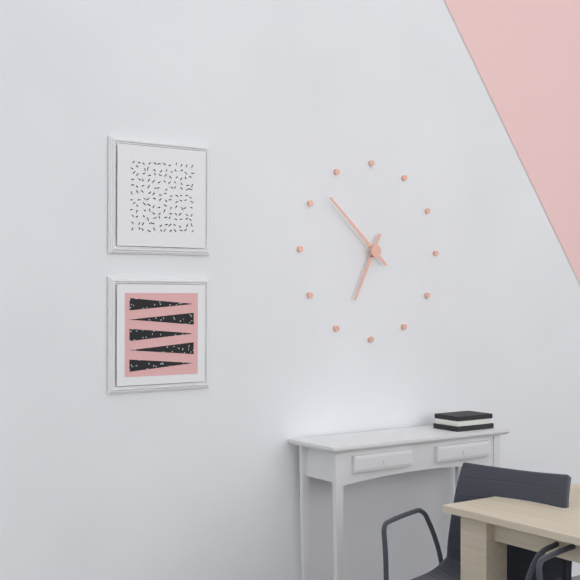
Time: {"hour": 6, "minute": 52}
